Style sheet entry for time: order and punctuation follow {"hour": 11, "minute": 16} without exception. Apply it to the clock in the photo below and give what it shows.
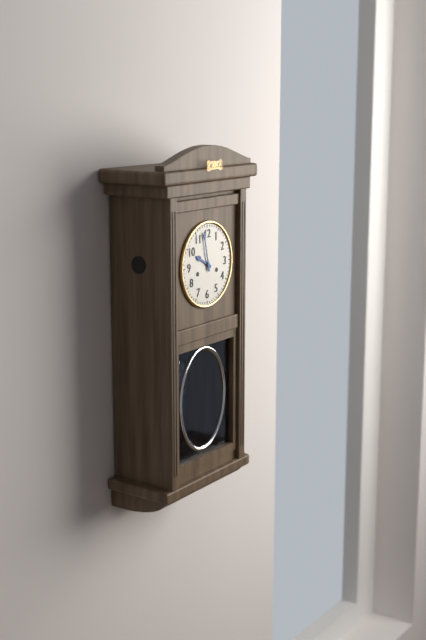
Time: {"hour": 9, "minute": 58}
